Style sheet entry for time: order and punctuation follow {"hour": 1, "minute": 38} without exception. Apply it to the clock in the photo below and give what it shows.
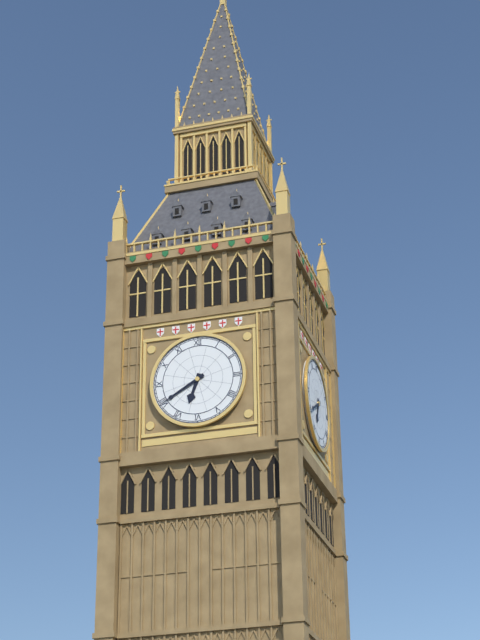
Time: {"hour": 6, "minute": 40}
